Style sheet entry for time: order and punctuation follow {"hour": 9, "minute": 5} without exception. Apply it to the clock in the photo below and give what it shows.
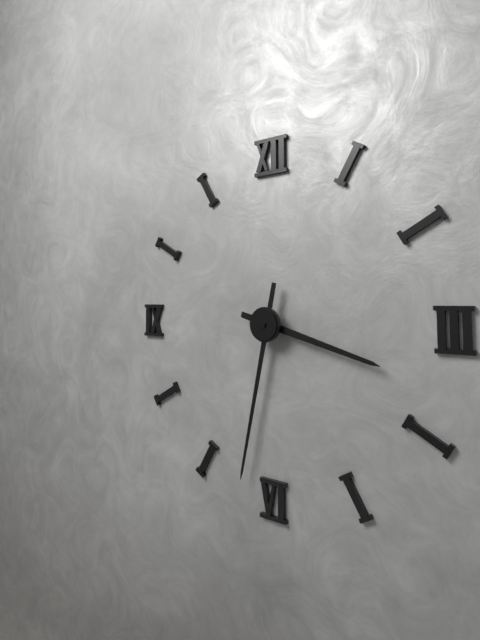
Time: {"hour": 3, "minute": 32}
